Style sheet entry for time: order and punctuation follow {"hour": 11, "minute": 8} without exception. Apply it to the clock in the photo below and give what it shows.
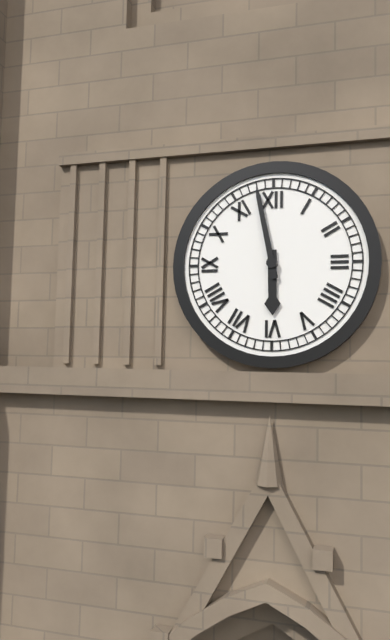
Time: {"hour": 5, "minute": 58}
